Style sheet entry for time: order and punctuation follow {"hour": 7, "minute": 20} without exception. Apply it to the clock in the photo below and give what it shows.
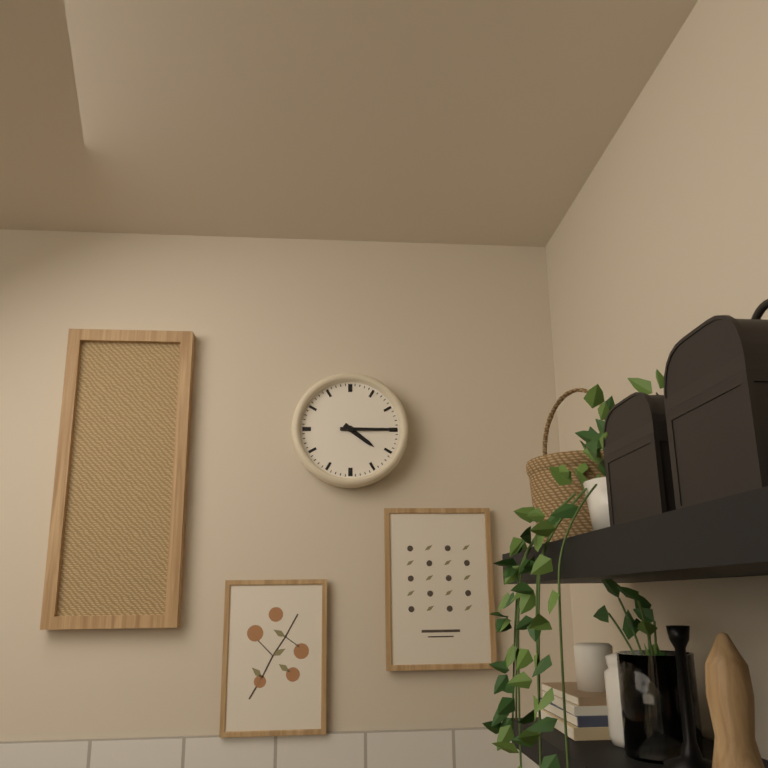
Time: {"hour": 4, "minute": 15}
